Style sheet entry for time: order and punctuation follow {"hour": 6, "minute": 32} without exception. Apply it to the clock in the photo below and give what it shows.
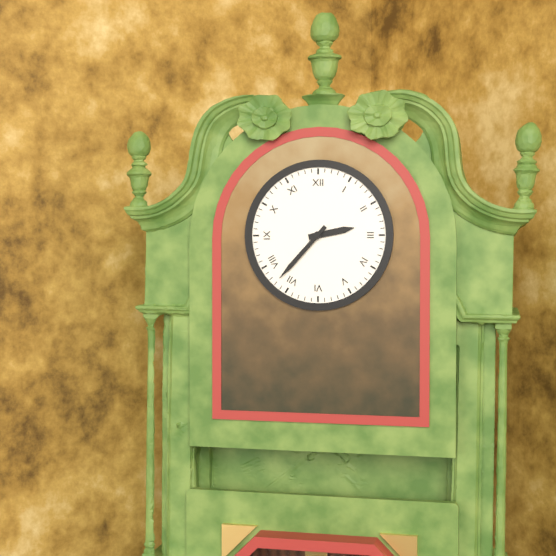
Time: {"hour": 2, "minute": 37}
